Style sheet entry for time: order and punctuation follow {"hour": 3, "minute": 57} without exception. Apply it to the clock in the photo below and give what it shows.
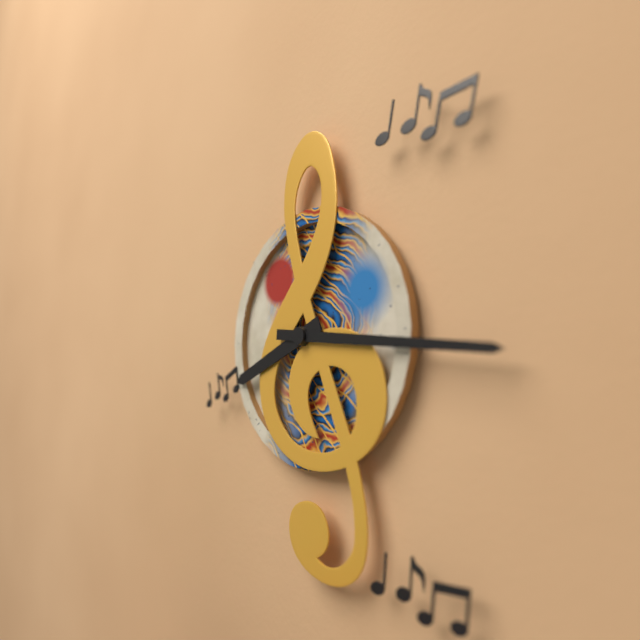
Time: {"hour": 8, "minute": 16}
